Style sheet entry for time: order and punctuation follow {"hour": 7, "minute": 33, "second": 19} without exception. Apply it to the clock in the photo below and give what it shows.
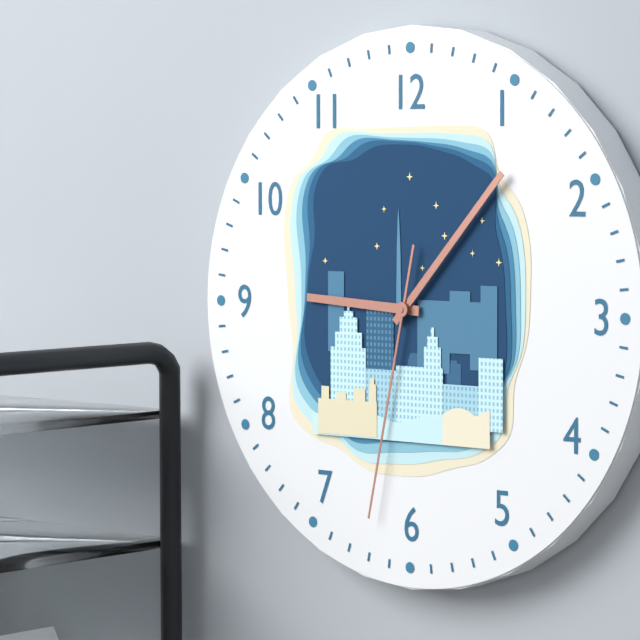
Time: {"hour": 9, "minute": 7, "second": 32}
